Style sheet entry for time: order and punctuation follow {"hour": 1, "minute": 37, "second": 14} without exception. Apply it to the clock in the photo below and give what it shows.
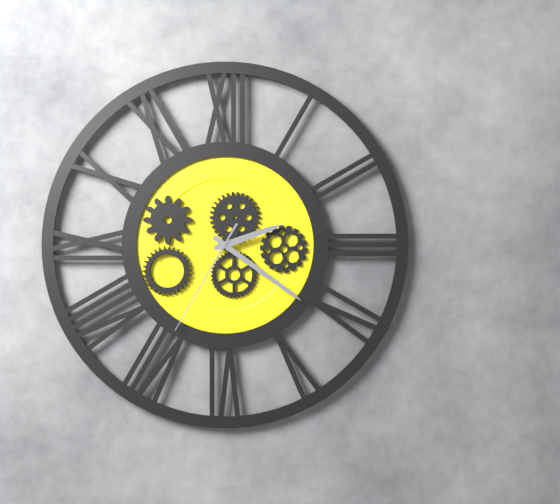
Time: {"hour": 2, "minute": 21, "second": 35}
